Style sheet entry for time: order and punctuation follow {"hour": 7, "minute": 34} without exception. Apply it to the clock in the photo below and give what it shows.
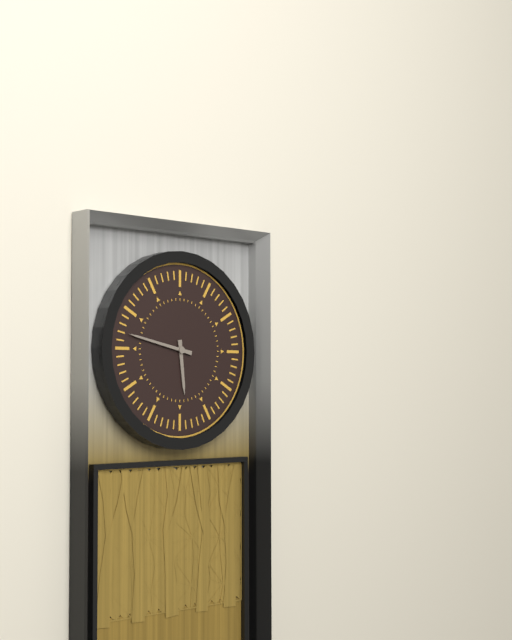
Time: {"hour": 5, "minute": 47}
